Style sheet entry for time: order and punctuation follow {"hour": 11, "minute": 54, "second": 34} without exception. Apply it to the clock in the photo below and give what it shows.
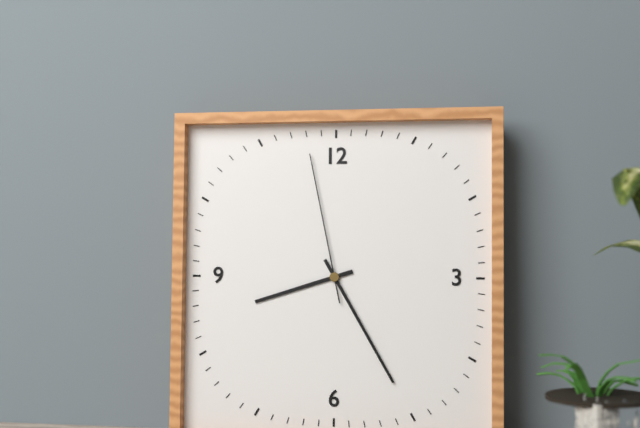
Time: {"hour": 8, "minute": 25, "second": 58}
